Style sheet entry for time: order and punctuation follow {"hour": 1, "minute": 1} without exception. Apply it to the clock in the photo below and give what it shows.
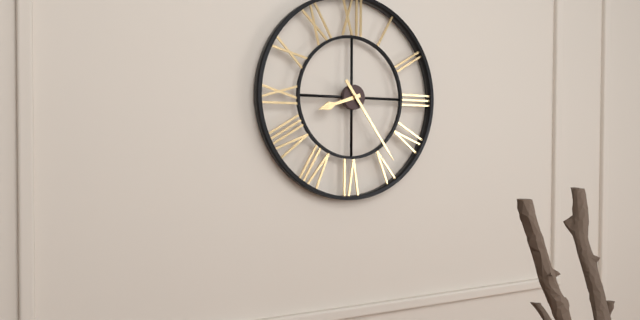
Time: {"hour": 8, "minute": 24}
